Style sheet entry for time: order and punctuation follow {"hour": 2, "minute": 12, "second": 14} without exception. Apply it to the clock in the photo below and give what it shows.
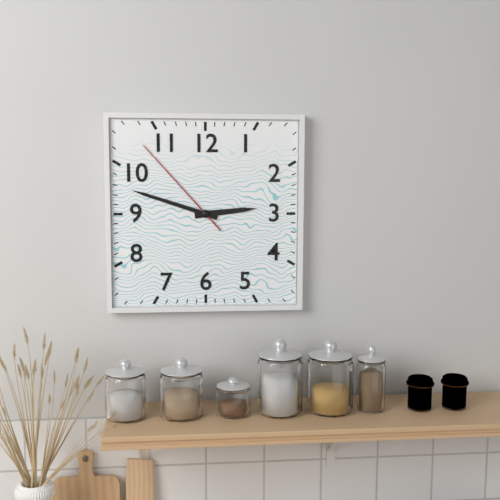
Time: {"hour": 2, "minute": 48, "second": 53}
